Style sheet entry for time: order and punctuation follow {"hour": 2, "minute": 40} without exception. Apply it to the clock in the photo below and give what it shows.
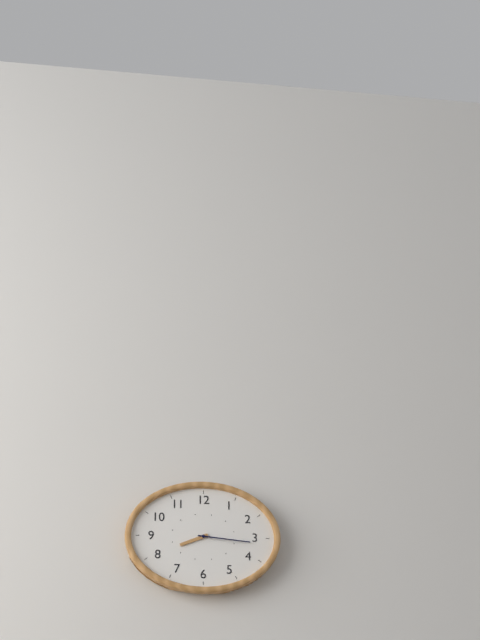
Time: {"hour": 8, "minute": 16}
